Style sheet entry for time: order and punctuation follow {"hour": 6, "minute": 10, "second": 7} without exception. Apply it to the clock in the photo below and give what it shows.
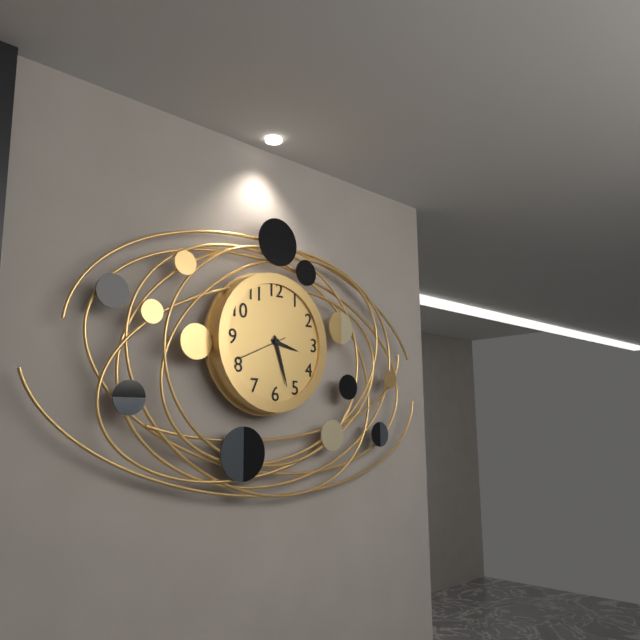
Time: {"hour": 3, "minute": 27, "second": 41}
